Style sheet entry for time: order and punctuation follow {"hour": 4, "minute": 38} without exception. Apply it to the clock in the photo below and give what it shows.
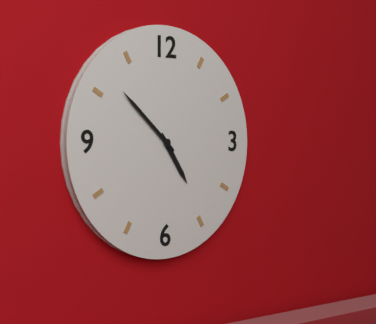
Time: {"hour": 4, "minute": 52}
